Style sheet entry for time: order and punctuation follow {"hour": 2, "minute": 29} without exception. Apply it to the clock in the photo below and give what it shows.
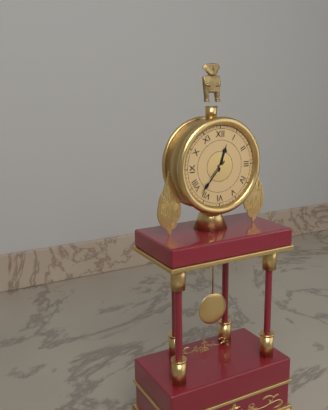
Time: {"hour": 12, "minute": 37}
